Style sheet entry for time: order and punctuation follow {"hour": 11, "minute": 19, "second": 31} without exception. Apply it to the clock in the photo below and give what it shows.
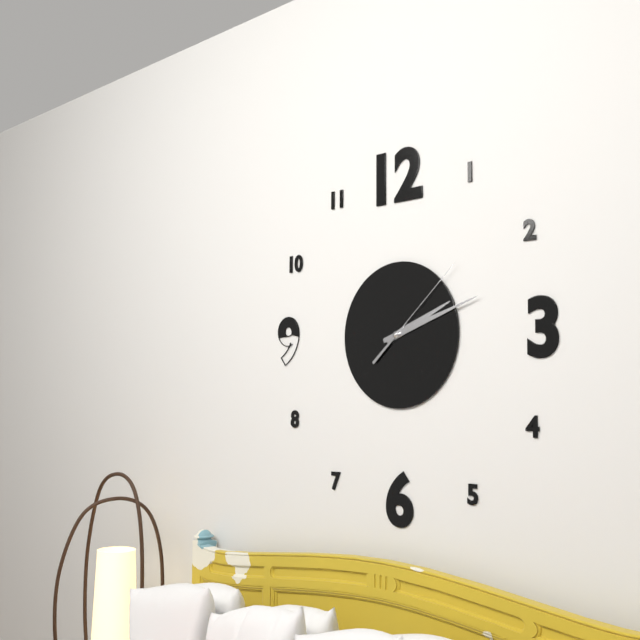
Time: {"hour": 2, "minute": 12, "second": 8}
